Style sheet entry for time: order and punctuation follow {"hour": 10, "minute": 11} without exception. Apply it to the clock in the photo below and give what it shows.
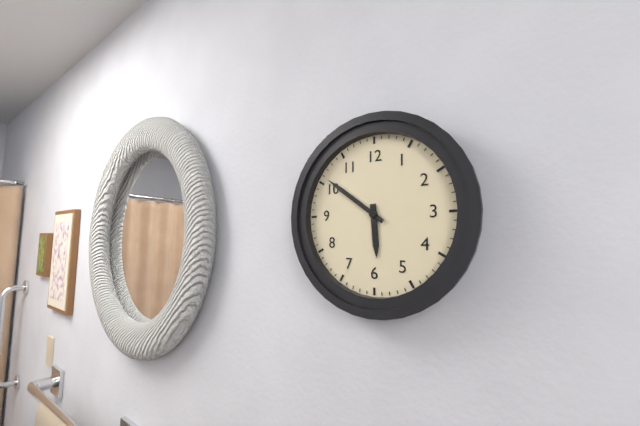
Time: {"hour": 5, "minute": 51}
